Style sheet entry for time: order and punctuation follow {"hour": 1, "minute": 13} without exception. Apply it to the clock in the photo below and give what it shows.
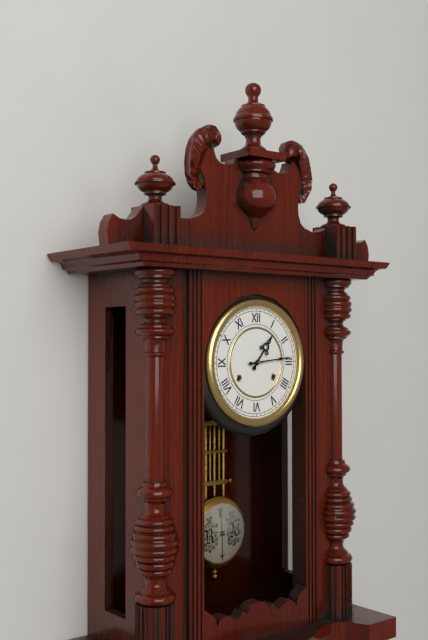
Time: {"hour": 1, "minute": 14}
